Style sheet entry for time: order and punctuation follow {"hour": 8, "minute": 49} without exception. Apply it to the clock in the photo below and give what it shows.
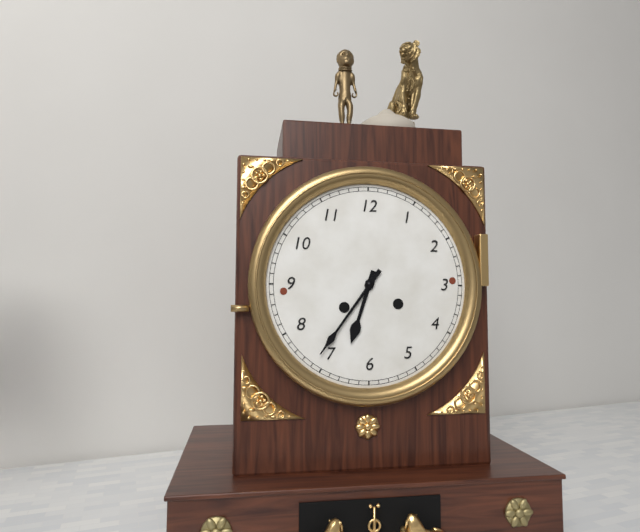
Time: {"hour": 6, "minute": 36}
